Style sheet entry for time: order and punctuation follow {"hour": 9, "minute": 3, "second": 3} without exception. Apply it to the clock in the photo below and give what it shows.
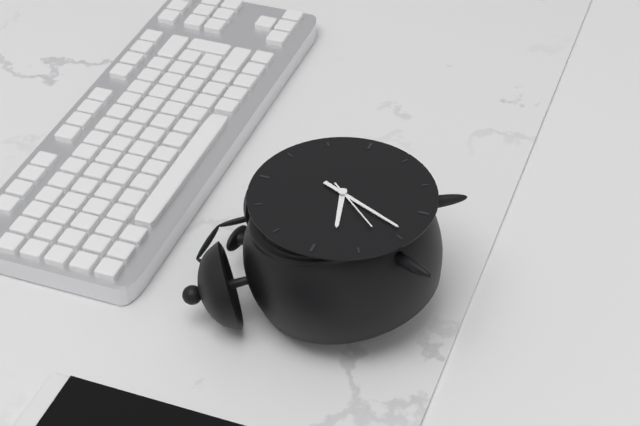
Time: {"hour": 8, "minute": 34, "second": 37}
